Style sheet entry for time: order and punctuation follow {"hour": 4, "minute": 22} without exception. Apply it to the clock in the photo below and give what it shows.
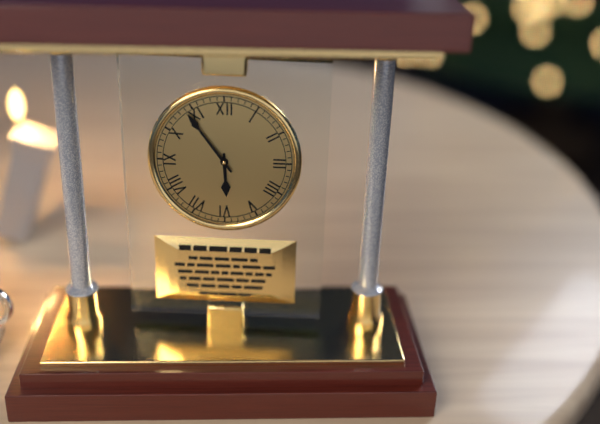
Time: {"hour": 5, "minute": 54}
